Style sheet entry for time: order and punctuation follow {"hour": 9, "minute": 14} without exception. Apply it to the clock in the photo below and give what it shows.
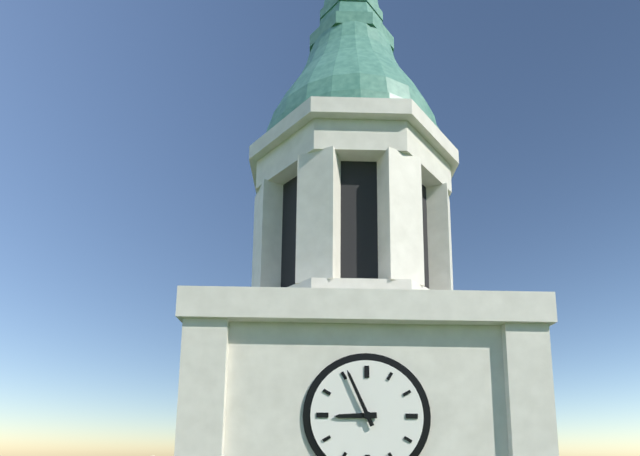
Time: {"hour": 8, "minute": 56}
